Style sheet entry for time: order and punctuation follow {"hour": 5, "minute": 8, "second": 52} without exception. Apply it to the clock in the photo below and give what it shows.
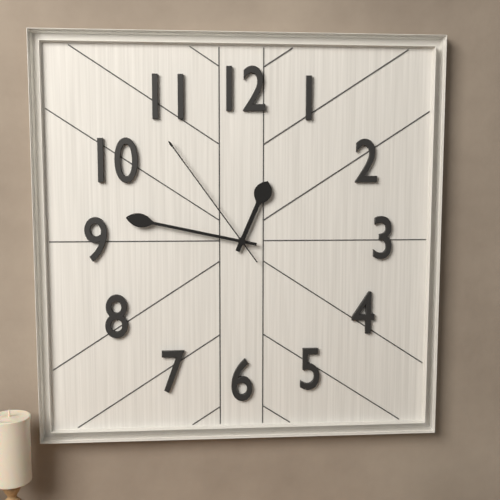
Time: {"hour": 12, "minute": 47, "second": 54}
